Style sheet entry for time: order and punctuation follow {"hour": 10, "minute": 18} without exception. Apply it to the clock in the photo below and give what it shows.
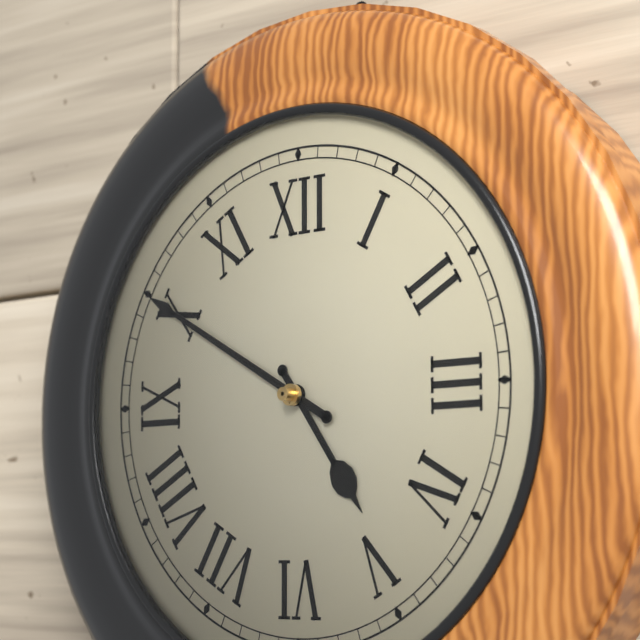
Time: {"hour": 4, "minute": 50}
